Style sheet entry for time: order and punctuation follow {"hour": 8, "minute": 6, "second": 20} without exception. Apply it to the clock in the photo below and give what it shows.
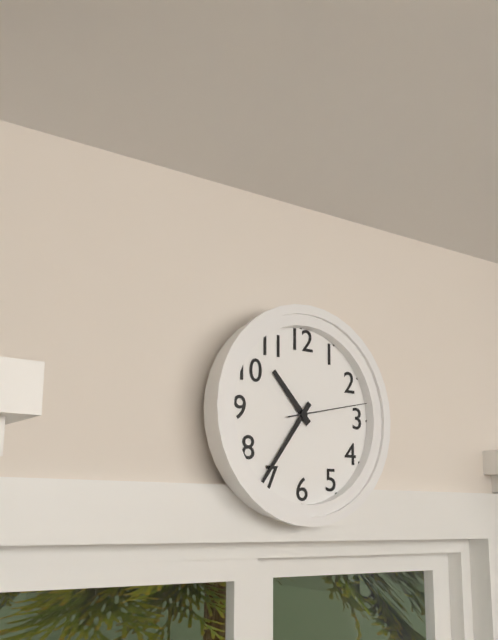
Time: {"hour": 10, "minute": 36, "second": 13}
